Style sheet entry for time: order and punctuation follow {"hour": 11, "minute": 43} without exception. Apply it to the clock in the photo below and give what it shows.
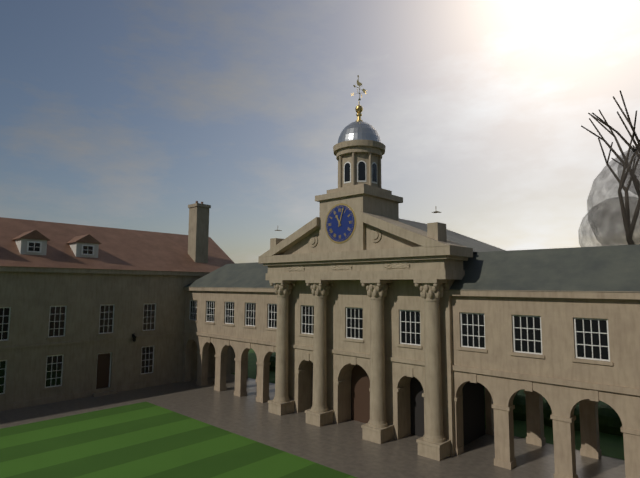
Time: {"hour": 11, "minute": 3}
